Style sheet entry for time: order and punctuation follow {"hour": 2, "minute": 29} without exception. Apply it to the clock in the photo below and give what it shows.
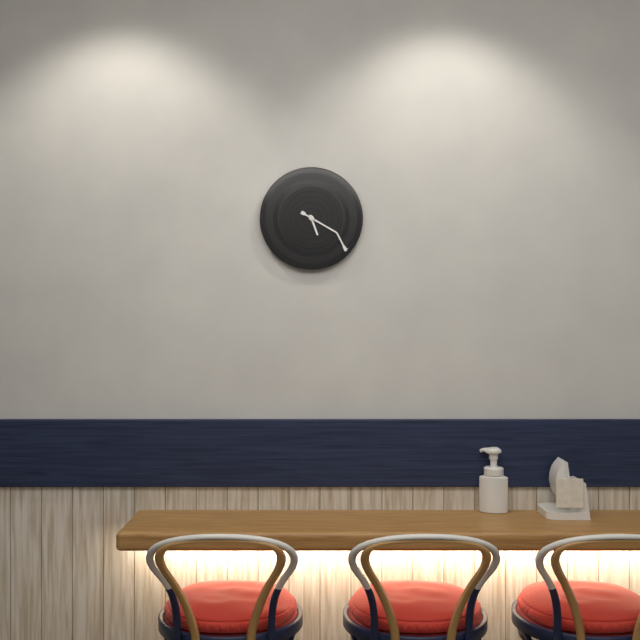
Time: {"hour": 5, "minute": 20}
